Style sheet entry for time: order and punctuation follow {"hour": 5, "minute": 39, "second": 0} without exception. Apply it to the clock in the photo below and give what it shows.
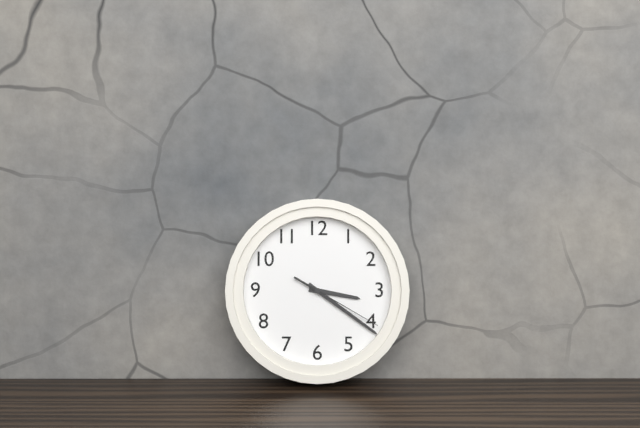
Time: {"hour": 3, "minute": 21, "second": 20}
